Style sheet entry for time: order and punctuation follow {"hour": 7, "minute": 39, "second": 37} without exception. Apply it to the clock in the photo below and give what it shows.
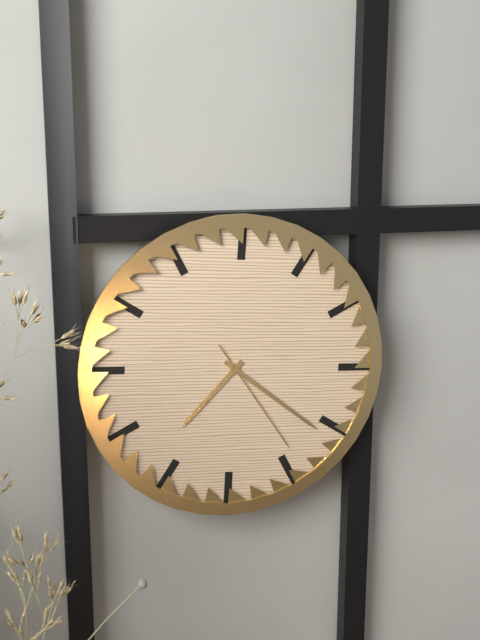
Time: {"hour": 7, "minute": 21, "second": 24}
